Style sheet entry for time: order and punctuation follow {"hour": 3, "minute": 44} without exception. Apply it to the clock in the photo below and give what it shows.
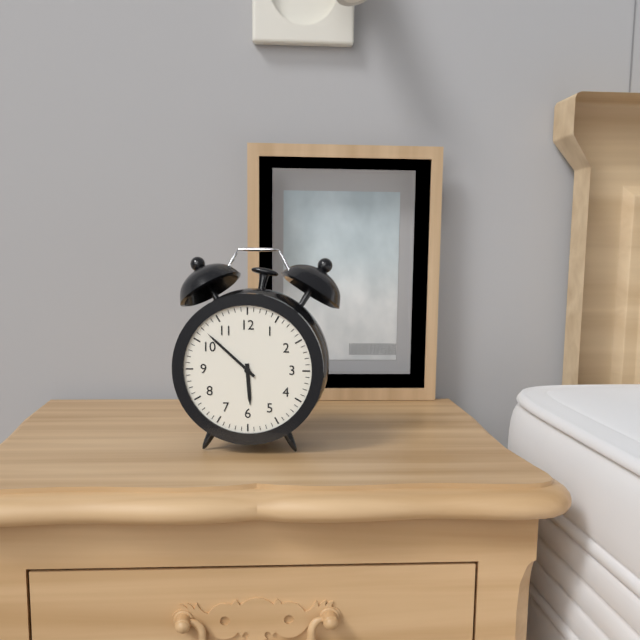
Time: {"hour": 5, "minute": 52}
